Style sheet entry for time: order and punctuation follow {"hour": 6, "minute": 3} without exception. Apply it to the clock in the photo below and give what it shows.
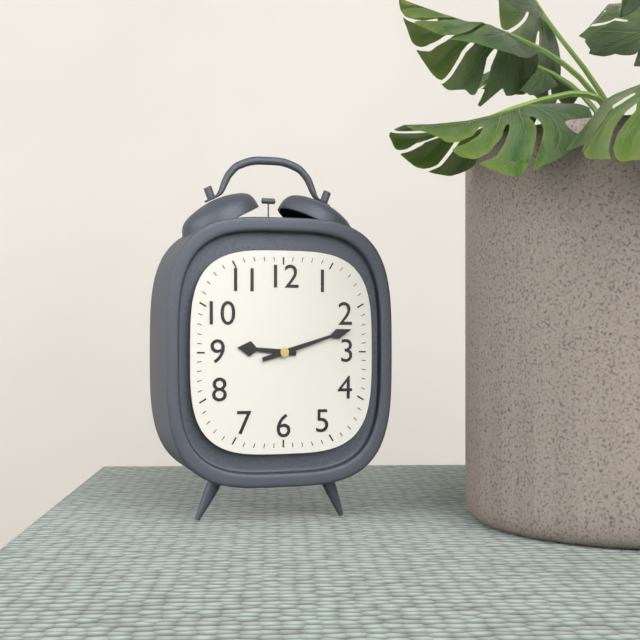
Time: {"hour": 9, "minute": 12}
